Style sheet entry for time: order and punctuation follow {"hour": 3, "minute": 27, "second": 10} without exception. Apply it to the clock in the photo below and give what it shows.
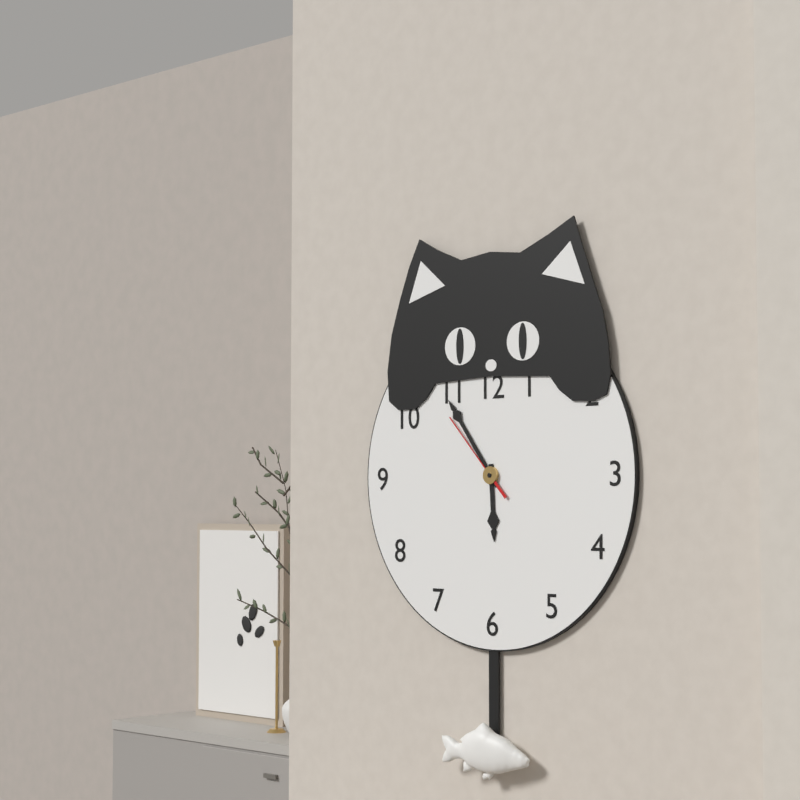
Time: {"hour": 5, "minute": 54, "second": 53}
